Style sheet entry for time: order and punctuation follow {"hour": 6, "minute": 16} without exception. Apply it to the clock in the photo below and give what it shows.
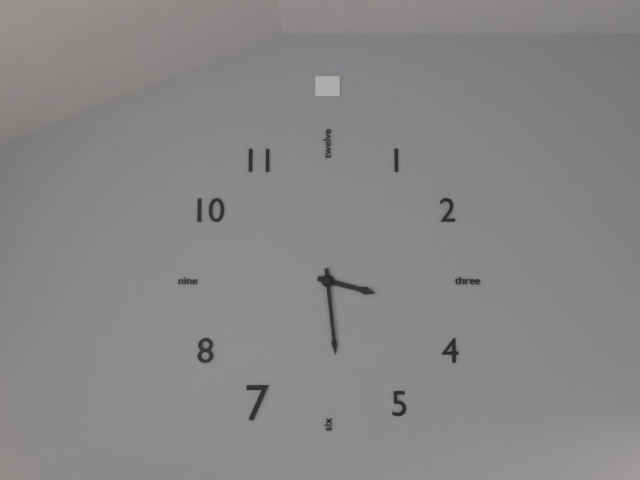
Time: {"hour": 3, "minute": 29}
